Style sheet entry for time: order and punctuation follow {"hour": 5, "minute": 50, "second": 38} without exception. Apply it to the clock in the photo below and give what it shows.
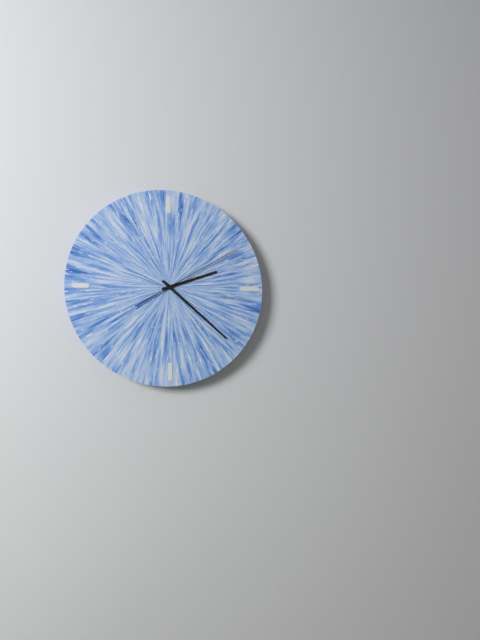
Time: {"hour": 2, "minute": 22, "second": 10}
